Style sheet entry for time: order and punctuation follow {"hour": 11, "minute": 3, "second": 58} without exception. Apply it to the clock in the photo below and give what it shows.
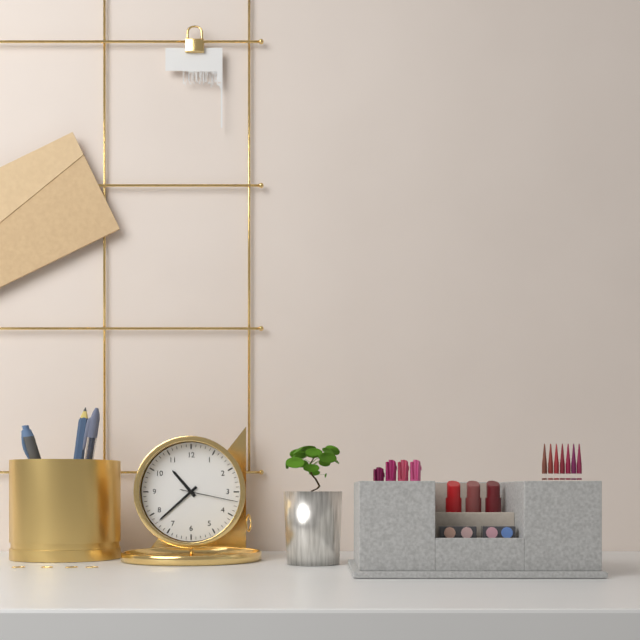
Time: {"hour": 10, "minute": 38, "second": 17}
